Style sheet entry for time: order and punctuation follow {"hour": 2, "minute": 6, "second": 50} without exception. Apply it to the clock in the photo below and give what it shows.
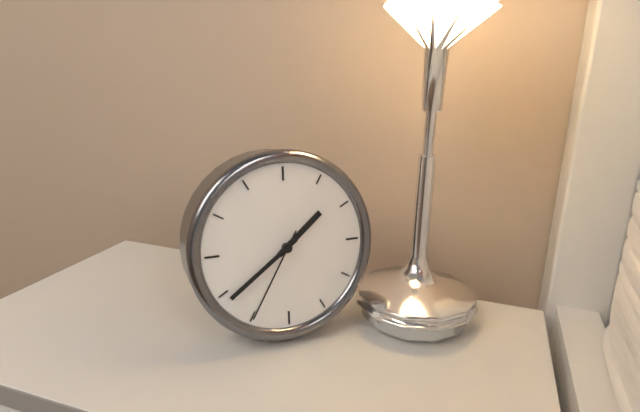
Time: {"hour": 1, "minute": 39, "second": 35}
